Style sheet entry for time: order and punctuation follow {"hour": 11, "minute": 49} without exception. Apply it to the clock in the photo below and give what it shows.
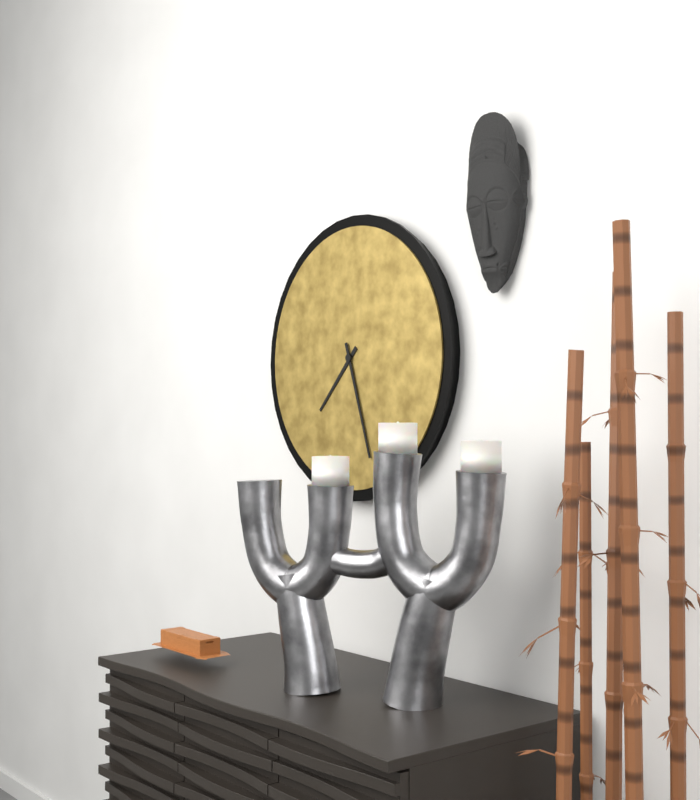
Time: {"hour": 7, "minute": 27}
